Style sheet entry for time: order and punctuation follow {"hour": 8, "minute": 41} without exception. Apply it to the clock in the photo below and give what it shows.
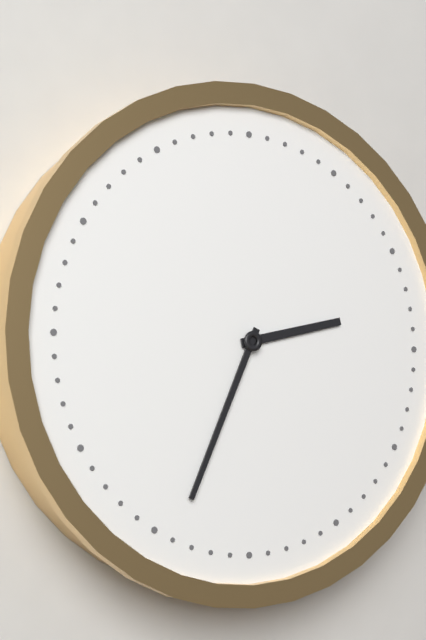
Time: {"hour": 2, "minute": 34}
